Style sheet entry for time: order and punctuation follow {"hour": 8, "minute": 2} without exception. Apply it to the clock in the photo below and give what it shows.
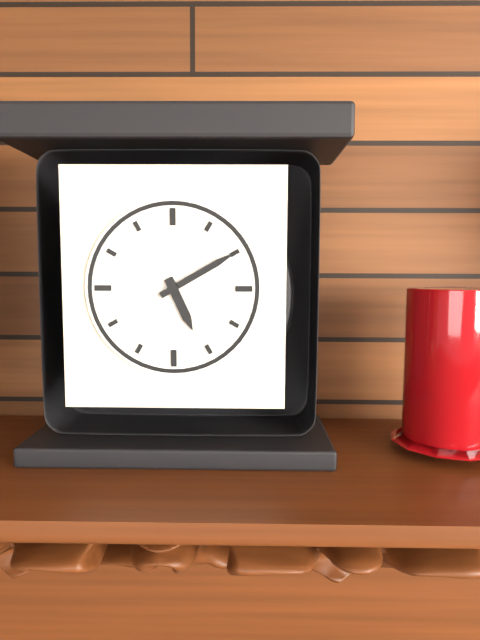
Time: {"hour": 5, "minute": 10}
